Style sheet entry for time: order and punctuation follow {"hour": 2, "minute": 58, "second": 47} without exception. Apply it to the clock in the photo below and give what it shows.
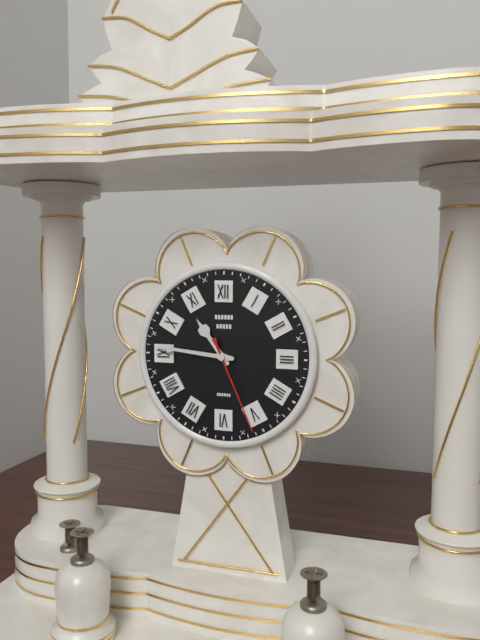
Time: {"hour": 10, "minute": 46, "second": 26}
